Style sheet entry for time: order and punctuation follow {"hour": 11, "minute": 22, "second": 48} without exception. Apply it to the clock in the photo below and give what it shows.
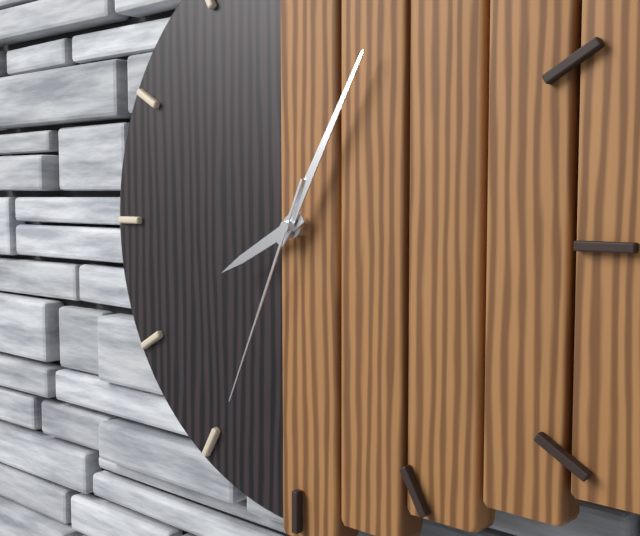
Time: {"hour": 8, "minute": 5, "second": 34}
